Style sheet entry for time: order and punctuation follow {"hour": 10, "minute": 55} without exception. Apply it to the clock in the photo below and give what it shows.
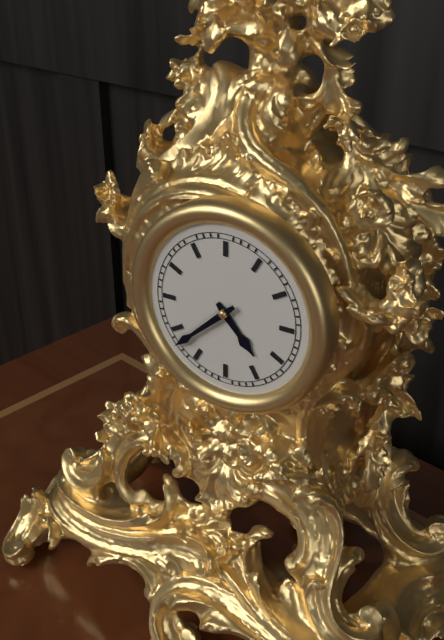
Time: {"hour": 4, "minute": 38}
